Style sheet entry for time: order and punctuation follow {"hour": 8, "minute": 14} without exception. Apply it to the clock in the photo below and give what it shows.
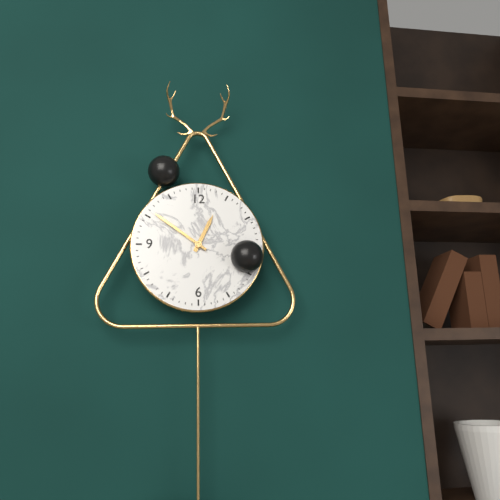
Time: {"hour": 12, "minute": 51}
